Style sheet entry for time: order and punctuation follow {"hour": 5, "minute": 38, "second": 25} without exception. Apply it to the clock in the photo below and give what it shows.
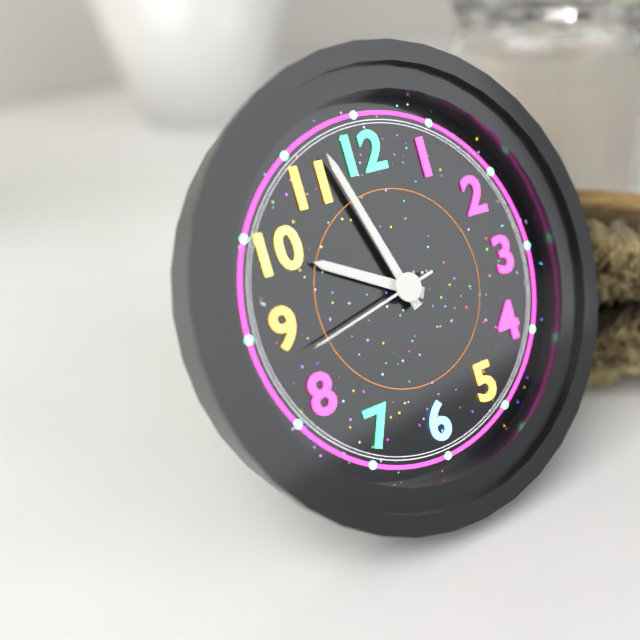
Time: {"hour": 9, "minute": 57, "second": 43}
